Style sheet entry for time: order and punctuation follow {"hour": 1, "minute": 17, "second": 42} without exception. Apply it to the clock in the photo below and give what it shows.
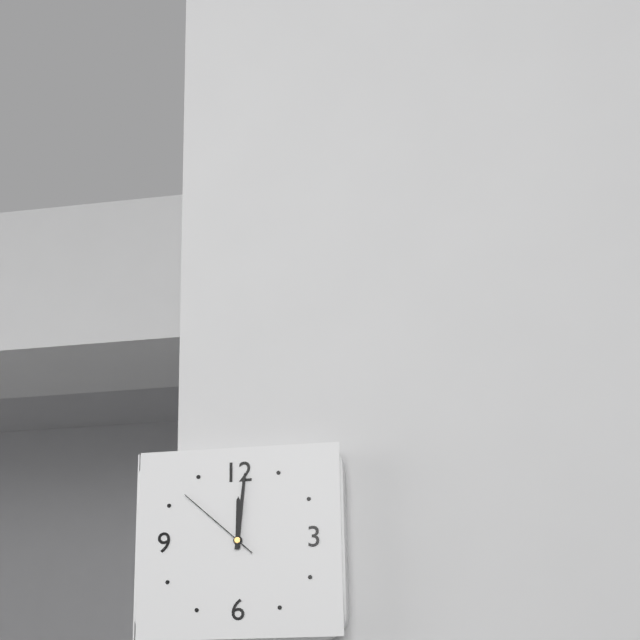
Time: {"hour": 12, "minute": 1, "second": 52}
